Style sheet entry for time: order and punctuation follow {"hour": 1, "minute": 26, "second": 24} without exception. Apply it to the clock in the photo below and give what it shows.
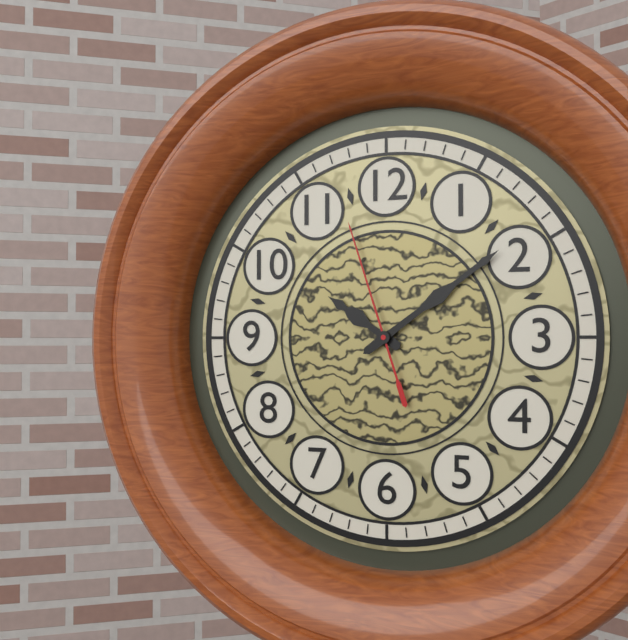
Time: {"hour": 10, "minute": 9, "second": 57}
